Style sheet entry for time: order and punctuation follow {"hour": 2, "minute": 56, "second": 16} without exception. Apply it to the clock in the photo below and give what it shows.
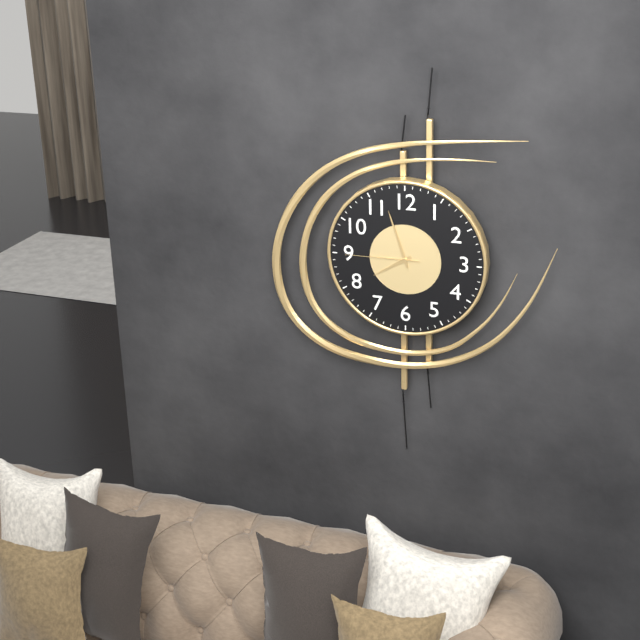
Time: {"hour": 7, "minute": 57, "second": 45}
